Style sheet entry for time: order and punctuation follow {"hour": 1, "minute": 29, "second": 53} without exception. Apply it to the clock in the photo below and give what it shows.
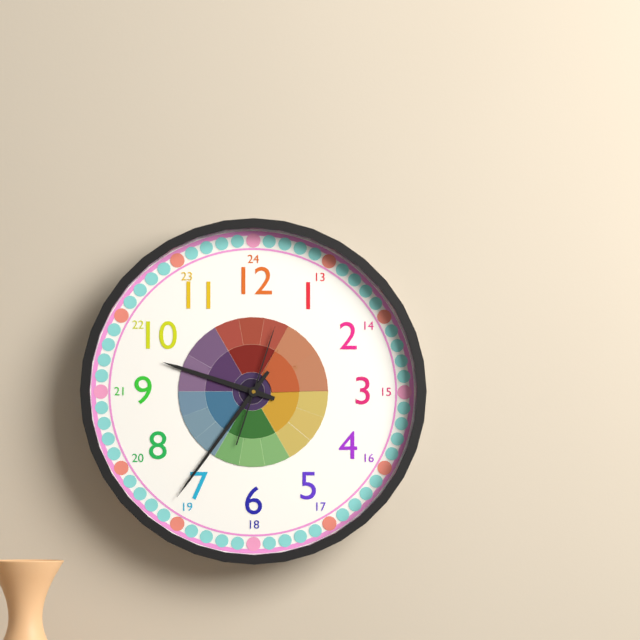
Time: {"hour": 9, "minute": 36, "second": 3}
